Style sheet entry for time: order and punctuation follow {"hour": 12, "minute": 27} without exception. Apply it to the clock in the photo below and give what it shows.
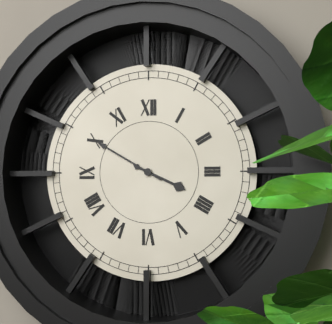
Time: {"hour": 3, "minute": 50}
